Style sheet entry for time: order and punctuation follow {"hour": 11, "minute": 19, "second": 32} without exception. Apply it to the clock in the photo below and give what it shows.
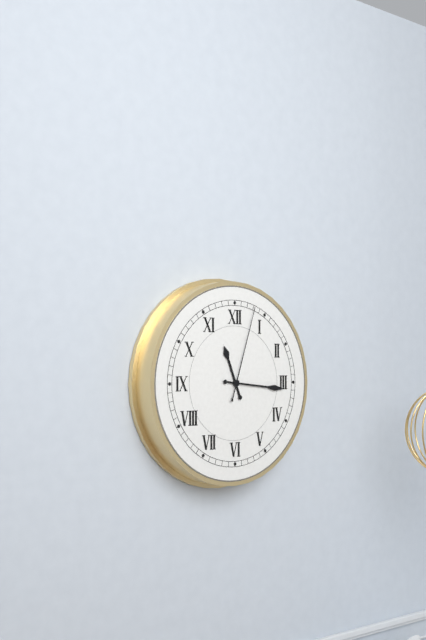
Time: {"hour": 11, "minute": 16, "second": 3}
